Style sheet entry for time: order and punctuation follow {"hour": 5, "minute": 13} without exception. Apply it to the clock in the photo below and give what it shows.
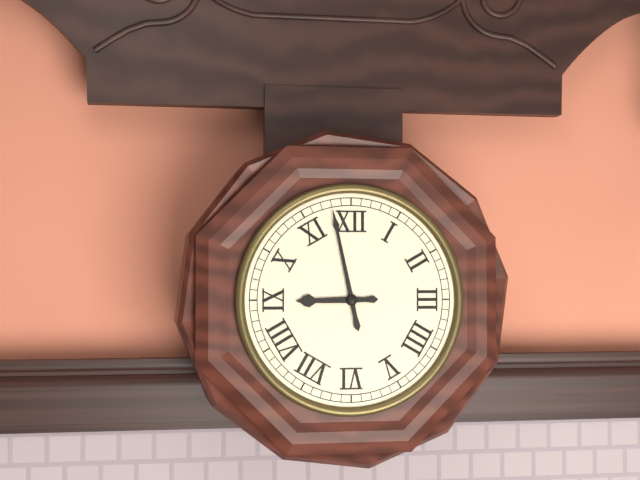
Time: {"hour": 8, "minute": 58}
